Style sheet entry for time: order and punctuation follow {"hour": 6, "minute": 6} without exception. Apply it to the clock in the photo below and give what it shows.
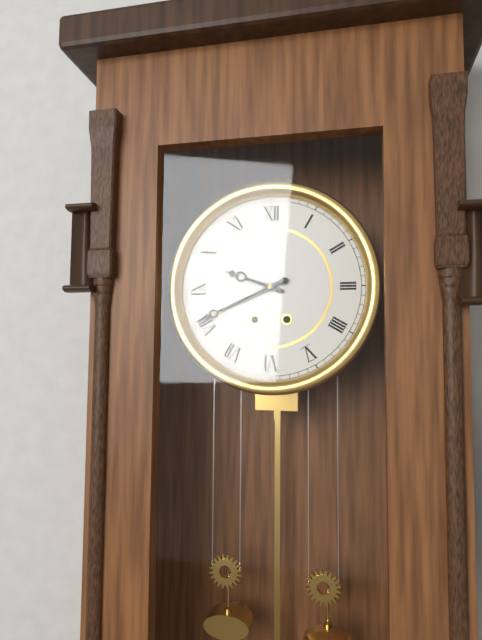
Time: {"hour": 9, "minute": 41}
